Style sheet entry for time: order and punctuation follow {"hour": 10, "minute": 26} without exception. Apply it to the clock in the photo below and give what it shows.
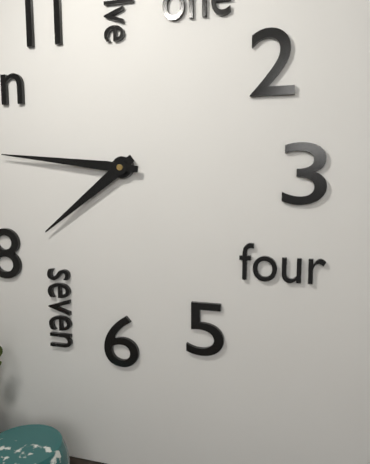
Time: {"hour": 7, "minute": 46}
